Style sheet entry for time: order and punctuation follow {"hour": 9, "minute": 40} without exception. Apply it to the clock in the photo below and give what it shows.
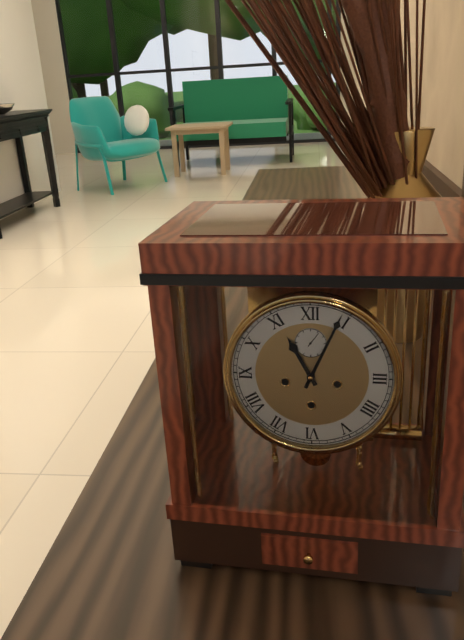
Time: {"hour": 11, "minute": 4}
